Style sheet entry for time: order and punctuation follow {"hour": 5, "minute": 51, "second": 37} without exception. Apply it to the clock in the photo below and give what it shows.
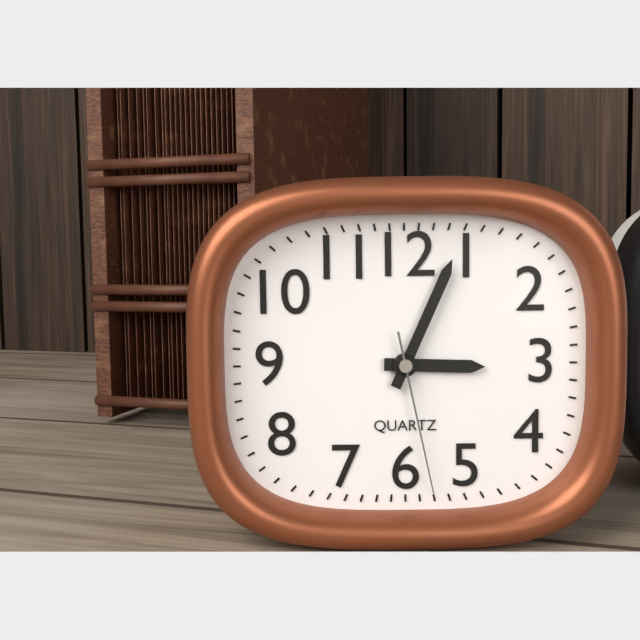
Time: {"hour": 3, "minute": 4, "second": 28}
